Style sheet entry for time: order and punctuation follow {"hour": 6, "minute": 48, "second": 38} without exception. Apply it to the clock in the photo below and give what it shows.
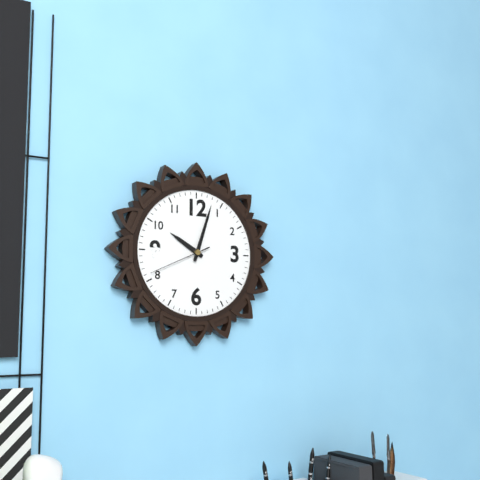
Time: {"hour": 10, "minute": 3, "second": 41}
